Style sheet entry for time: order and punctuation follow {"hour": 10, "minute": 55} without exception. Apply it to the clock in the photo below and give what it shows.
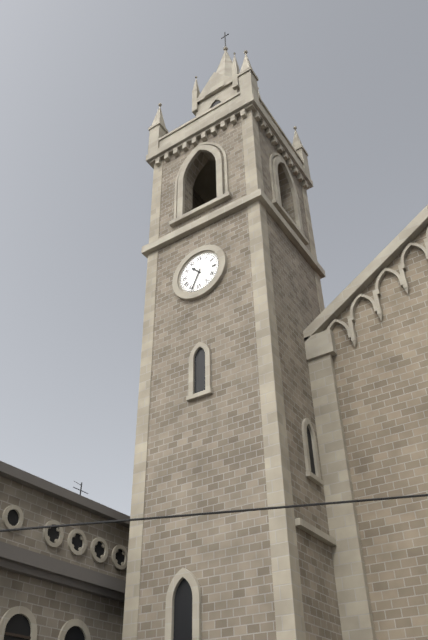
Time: {"hour": 10, "minute": 34}
